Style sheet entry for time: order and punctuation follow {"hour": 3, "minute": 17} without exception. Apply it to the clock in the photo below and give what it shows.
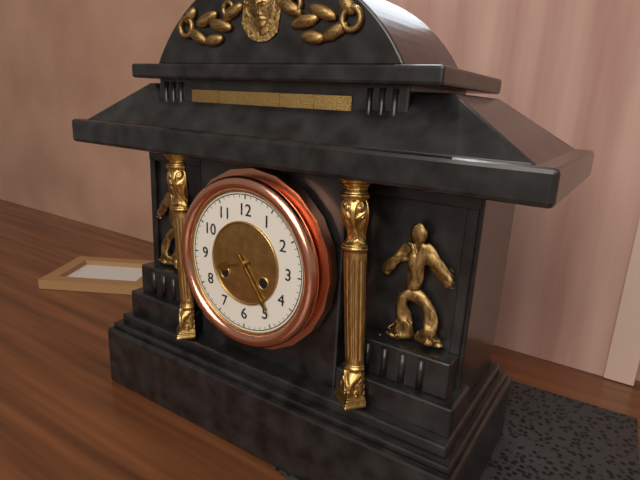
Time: {"hour": 8, "minute": 24}
